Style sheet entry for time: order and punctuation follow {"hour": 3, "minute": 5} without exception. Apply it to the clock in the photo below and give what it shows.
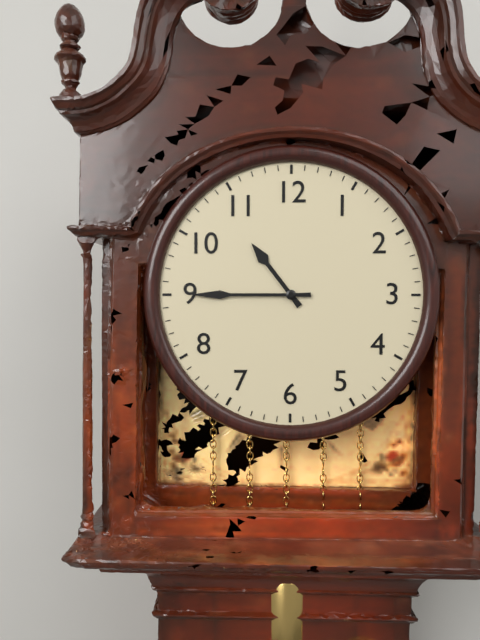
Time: {"hour": 10, "minute": 45}
